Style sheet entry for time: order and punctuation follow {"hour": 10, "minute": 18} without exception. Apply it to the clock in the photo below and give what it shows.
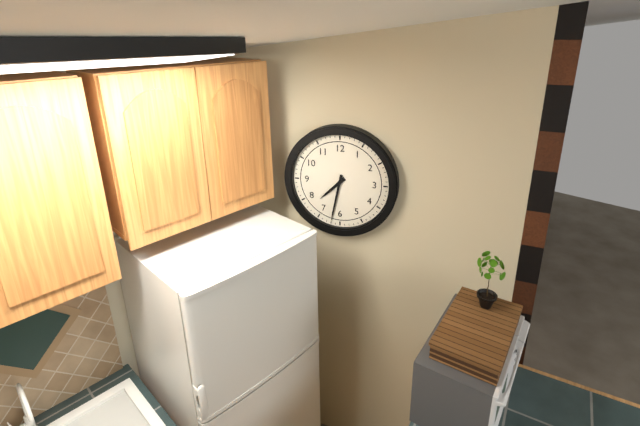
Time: {"hour": 7, "minute": 32}
